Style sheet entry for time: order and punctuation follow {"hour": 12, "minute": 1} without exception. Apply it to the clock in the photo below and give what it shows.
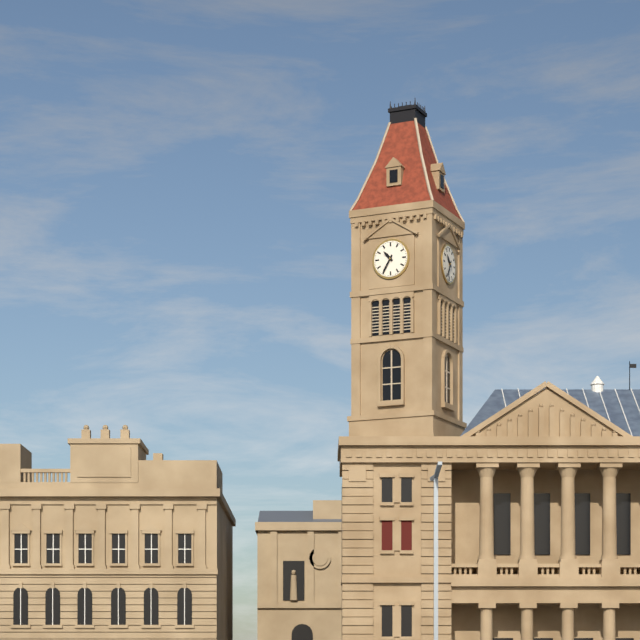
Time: {"hour": 10, "minute": 35}
